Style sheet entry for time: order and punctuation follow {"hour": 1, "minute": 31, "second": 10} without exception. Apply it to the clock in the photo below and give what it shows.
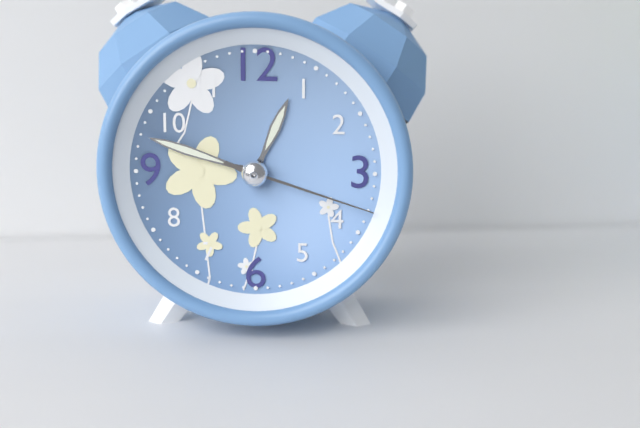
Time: {"hour": 12, "minute": 48, "second": 18}
